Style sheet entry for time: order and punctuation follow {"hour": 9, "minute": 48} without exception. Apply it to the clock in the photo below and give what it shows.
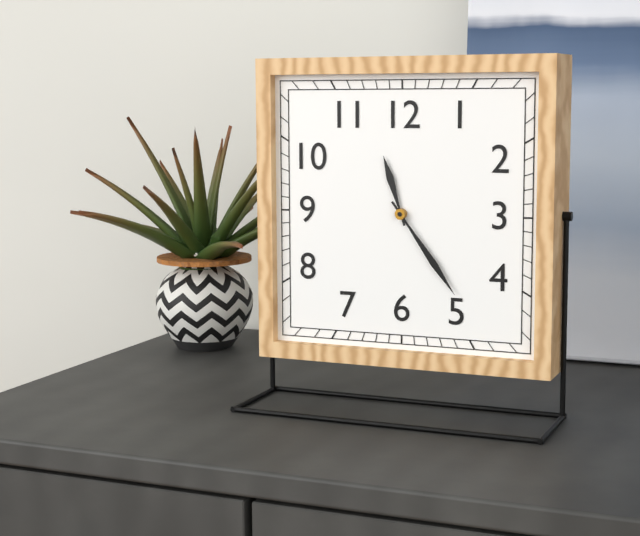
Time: {"hour": 11, "minute": 24}
